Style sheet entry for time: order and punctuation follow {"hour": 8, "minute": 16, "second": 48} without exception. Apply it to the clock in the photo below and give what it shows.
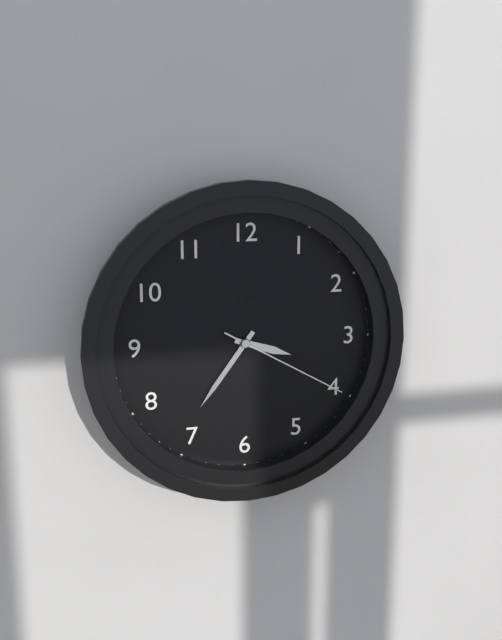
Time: {"hour": 3, "minute": 36, "second": 20}
